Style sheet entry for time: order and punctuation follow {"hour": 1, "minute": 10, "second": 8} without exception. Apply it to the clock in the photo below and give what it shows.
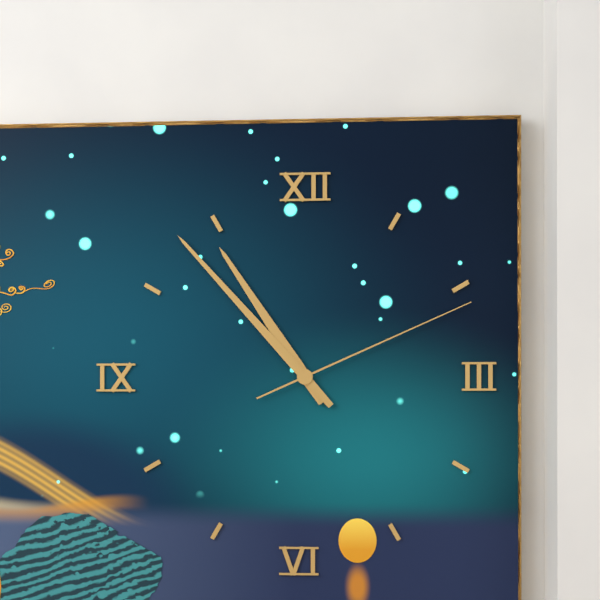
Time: {"hour": 10, "minute": 53, "second": 11}
